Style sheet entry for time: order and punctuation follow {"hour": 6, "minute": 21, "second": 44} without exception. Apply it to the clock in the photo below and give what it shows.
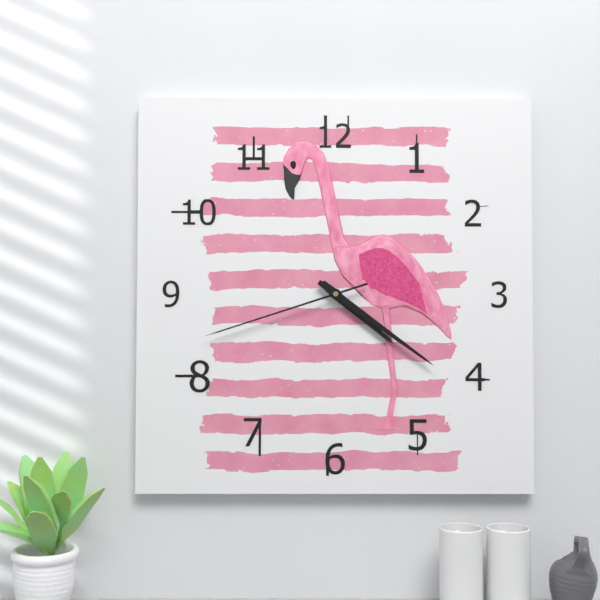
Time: {"hour": 4, "minute": 21, "second": 42}
